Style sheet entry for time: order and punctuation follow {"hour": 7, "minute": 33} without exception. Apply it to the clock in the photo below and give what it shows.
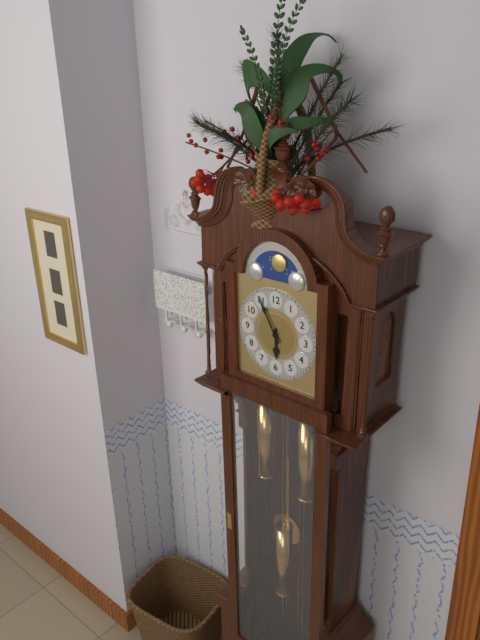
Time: {"hour": 5, "minute": 55}
